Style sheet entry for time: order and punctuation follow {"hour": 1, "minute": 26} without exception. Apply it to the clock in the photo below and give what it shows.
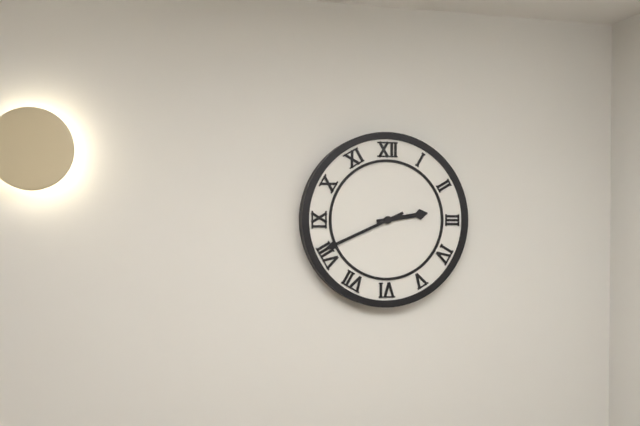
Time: {"hour": 2, "minute": 41}
